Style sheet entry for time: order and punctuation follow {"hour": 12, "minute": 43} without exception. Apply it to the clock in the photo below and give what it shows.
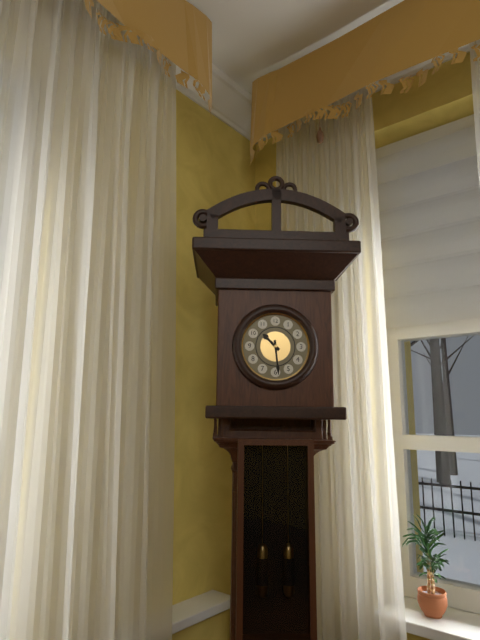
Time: {"hour": 10, "minute": 29}
